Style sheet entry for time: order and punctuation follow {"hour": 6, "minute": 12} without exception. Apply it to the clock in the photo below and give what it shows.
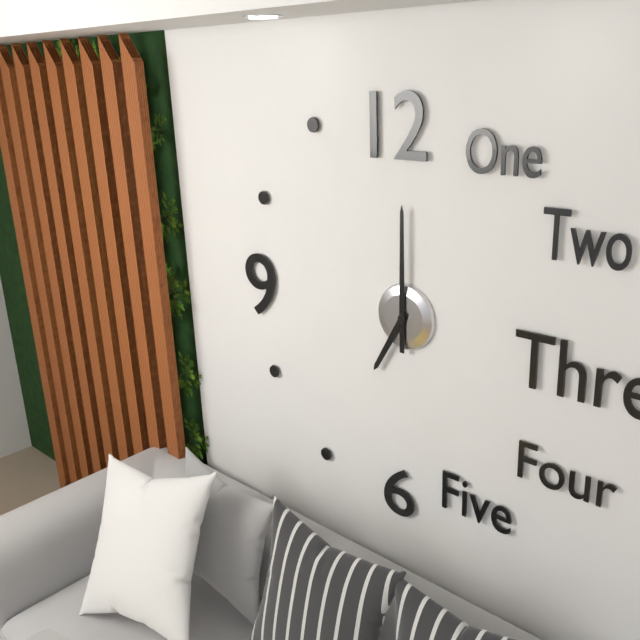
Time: {"hour": 7, "minute": 0}
